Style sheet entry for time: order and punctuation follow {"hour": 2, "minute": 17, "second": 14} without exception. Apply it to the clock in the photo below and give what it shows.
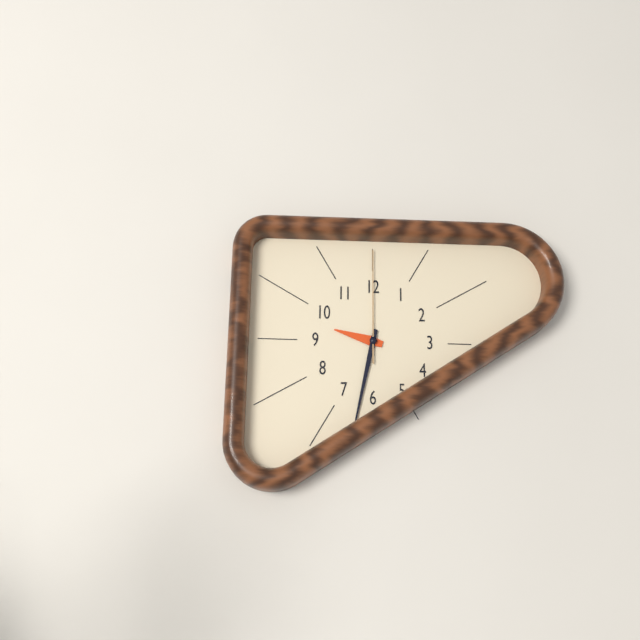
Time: {"hour": 9, "minute": 32, "second": 0}
